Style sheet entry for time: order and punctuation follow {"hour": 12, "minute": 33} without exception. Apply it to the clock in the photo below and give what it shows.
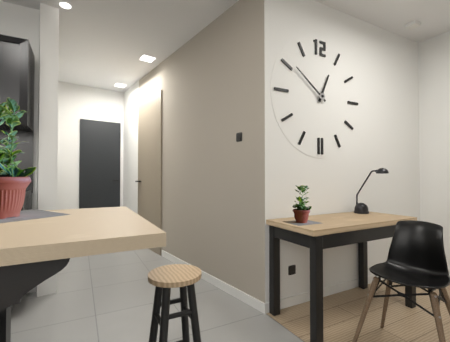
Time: {"hour": 12, "minute": 51}
